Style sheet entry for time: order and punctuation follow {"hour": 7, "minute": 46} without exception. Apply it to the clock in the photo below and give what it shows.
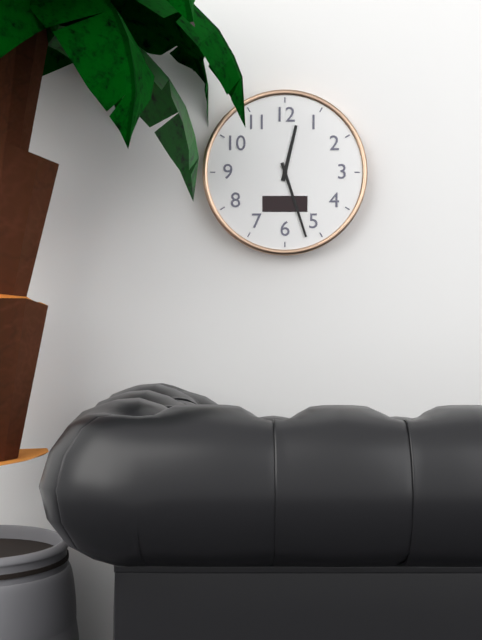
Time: {"hour": 12, "minute": 27}
